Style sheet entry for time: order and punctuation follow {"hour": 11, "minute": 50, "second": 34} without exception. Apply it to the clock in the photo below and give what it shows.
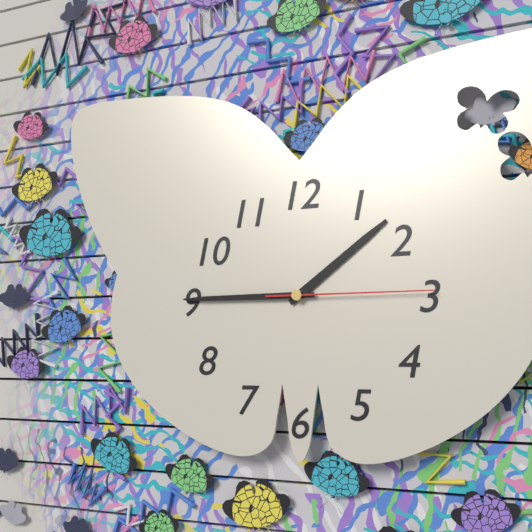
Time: {"hour": 1, "minute": 45, "second": 15}
